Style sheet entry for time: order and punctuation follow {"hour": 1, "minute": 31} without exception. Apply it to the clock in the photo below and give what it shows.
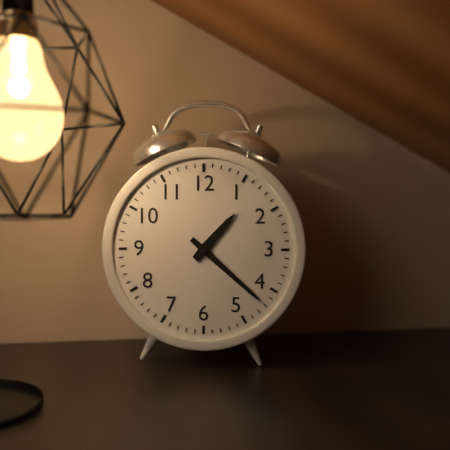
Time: {"hour": 1, "minute": 22}
